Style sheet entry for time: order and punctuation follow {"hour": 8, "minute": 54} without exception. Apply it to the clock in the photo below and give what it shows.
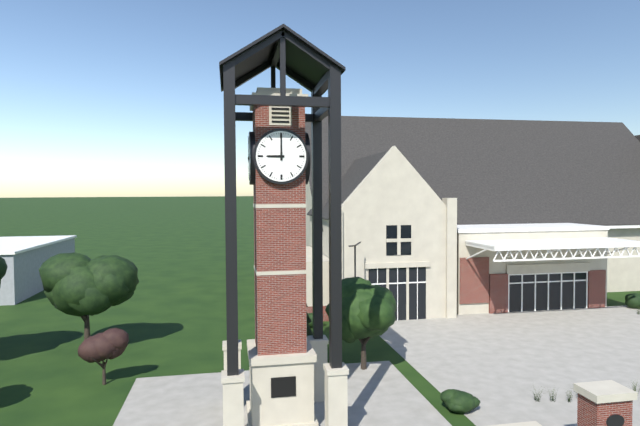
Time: {"hour": 9, "minute": 0}
